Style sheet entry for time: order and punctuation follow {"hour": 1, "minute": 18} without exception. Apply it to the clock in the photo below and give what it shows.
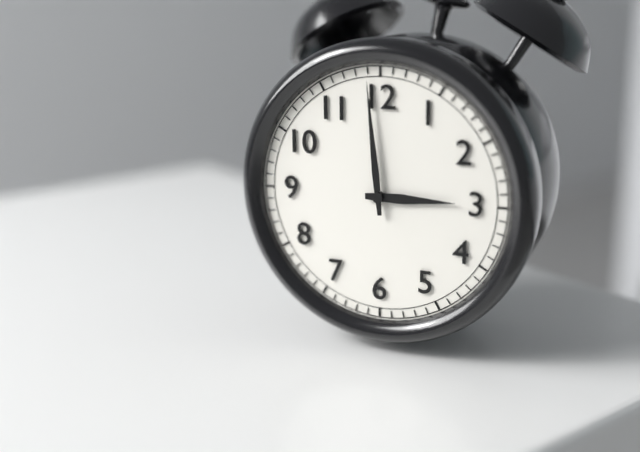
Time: {"hour": 2, "minute": 59}
